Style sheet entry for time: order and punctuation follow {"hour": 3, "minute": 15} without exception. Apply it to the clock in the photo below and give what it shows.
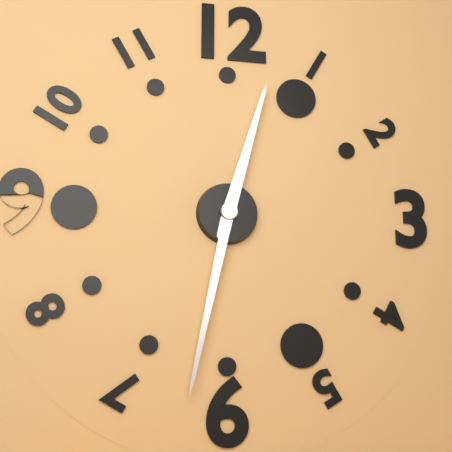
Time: {"hour": 12, "minute": 32}
